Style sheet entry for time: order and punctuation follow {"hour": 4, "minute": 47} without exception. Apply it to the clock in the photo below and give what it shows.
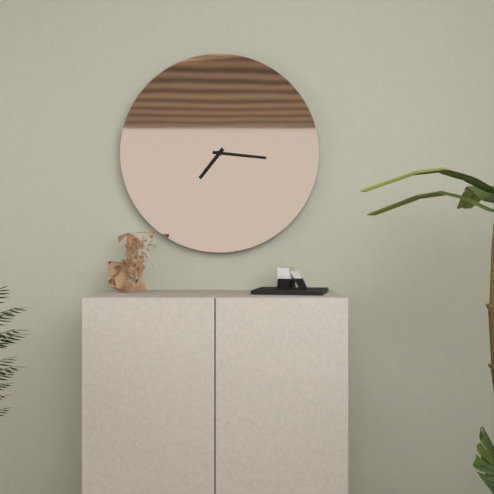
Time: {"hour": 7, "minute": 16}
